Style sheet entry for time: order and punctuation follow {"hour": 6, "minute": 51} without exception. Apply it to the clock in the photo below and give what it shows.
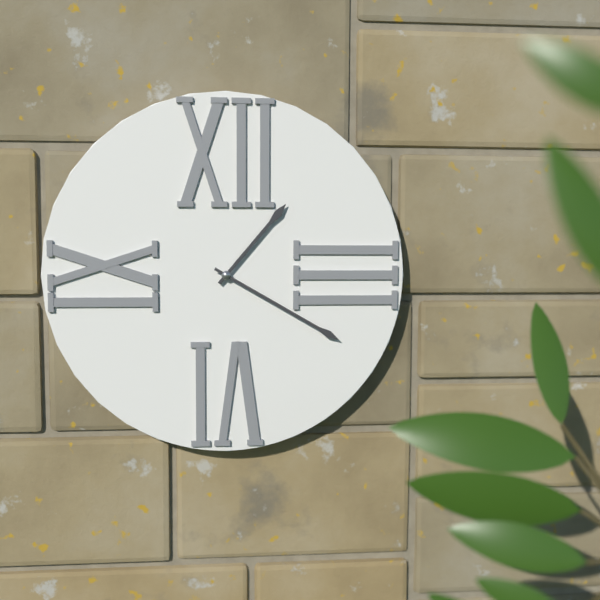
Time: {"hour": 1, "minute": 20}
